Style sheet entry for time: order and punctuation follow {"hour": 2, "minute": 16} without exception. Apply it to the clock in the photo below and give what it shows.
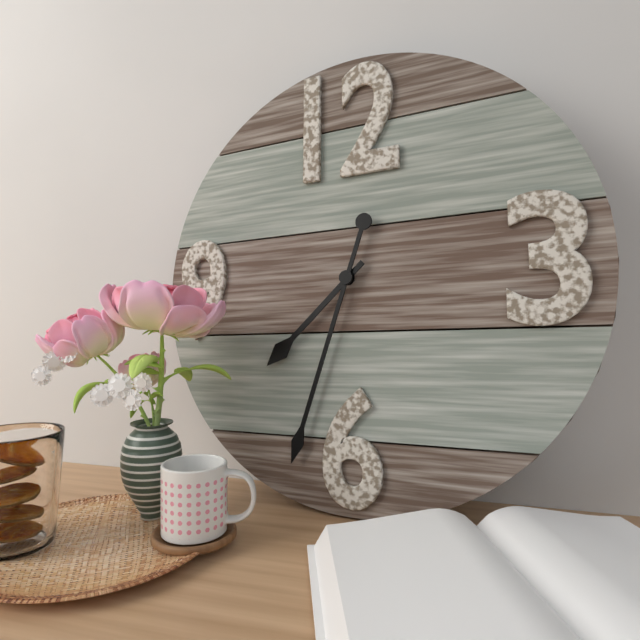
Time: {"hour": 7, "minute": 33}
